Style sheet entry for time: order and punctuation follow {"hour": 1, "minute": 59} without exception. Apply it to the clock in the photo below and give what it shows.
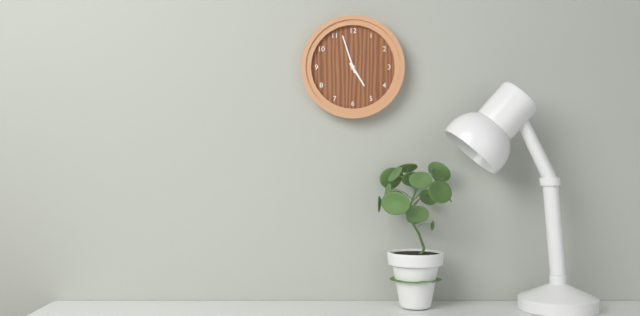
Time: {"hour": 4, "minute": 57}
